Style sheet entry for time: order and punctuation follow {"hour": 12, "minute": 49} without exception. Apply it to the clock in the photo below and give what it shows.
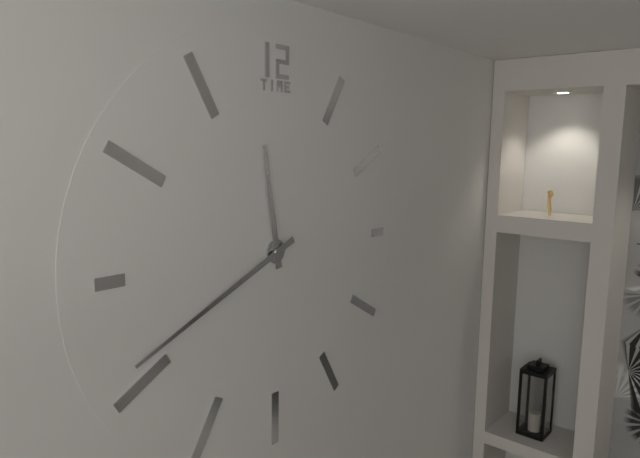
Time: {"hour": 11, "minute": 41}
